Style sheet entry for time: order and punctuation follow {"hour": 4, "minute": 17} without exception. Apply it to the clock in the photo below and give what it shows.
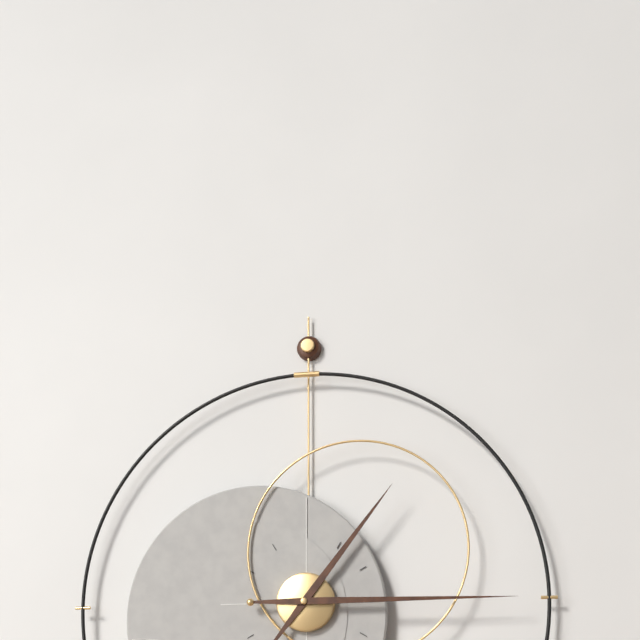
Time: {"hour": 1, "minute": 15}
